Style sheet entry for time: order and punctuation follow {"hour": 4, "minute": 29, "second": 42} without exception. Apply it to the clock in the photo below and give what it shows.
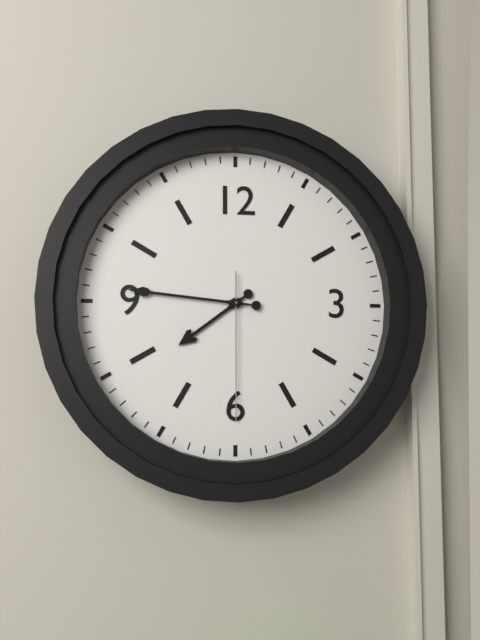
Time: {"hour": 7, "minute": 46, "second": 30}
